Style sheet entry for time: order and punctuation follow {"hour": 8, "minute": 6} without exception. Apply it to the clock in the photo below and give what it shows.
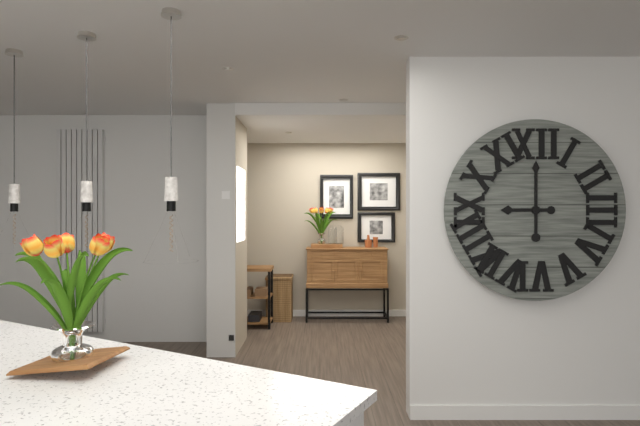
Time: {"hour": 9, "minute": 0}
